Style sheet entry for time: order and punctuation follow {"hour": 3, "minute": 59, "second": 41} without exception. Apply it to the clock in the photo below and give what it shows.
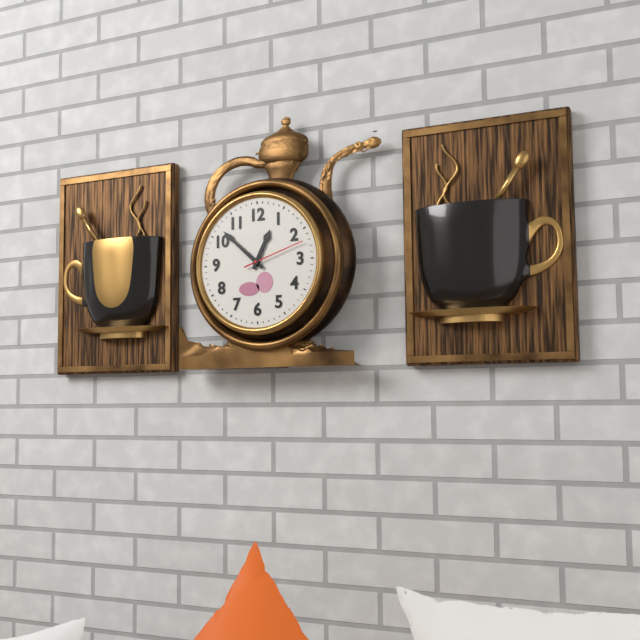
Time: {"hour": 12, "minute": 52, "second": 12}
